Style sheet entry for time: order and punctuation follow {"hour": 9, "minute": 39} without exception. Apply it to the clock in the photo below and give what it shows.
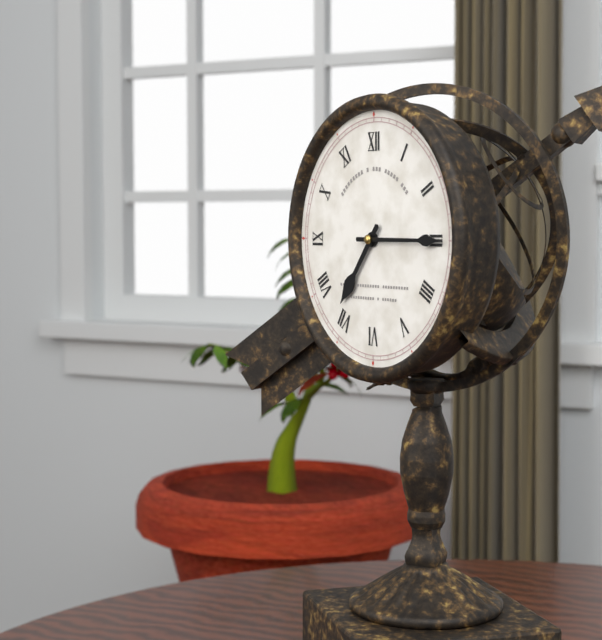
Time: {"hour": 7, "minute": 15}
